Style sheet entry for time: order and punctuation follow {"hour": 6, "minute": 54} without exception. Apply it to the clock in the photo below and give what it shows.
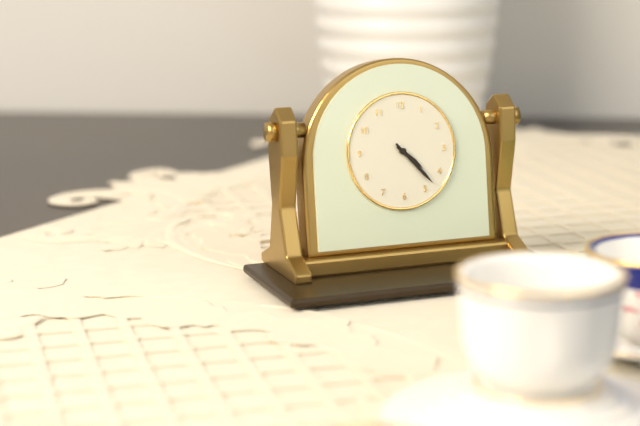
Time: {"hour": 4, "minute": 23}
